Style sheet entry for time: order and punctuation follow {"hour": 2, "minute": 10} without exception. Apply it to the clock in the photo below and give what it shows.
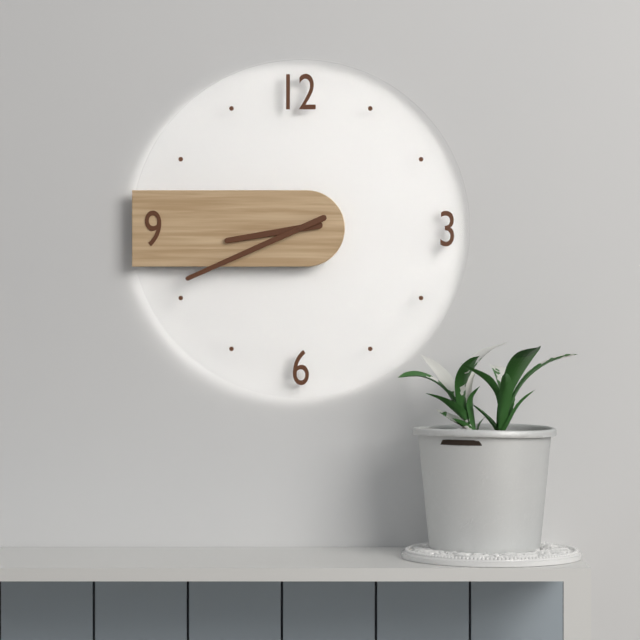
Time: {"hour": 8, "minute": 41}
